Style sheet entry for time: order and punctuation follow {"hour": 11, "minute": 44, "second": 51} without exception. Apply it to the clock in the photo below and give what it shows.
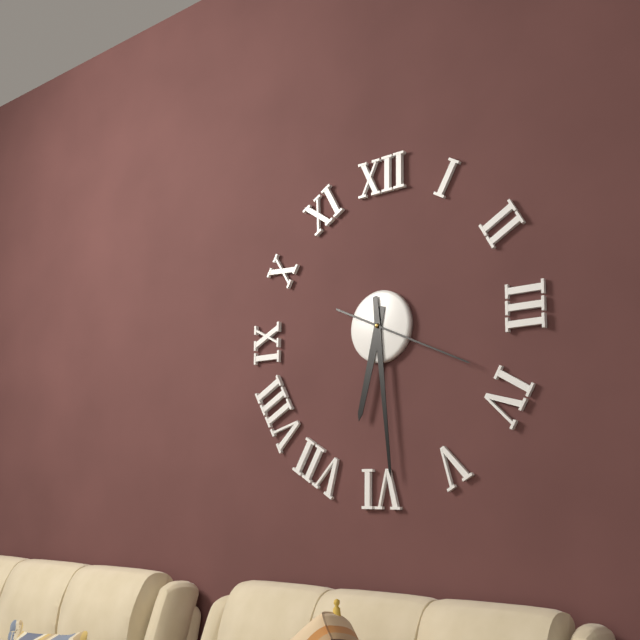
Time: {"hour": 6, "minute": 29, "second": 19}
